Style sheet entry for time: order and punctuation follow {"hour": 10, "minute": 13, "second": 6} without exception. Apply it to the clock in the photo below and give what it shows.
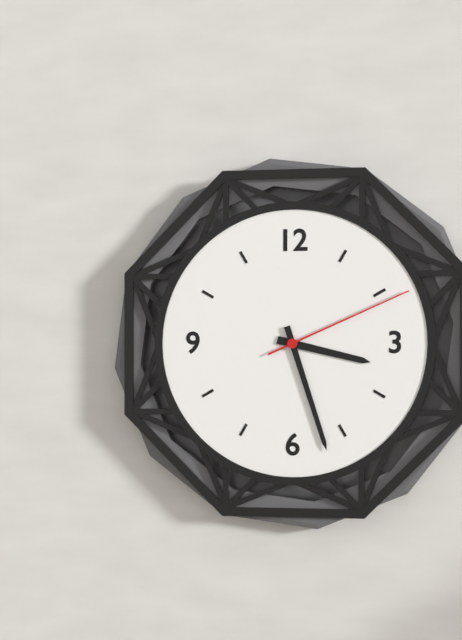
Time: {"hour": 3, "minute": 27, "second": 11}
